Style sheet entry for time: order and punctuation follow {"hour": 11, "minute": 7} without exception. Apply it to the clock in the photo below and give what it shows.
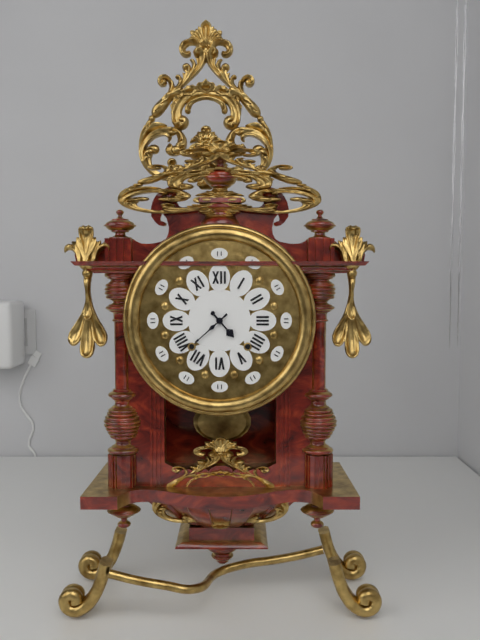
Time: {"hour": 4, "minute": 38}
